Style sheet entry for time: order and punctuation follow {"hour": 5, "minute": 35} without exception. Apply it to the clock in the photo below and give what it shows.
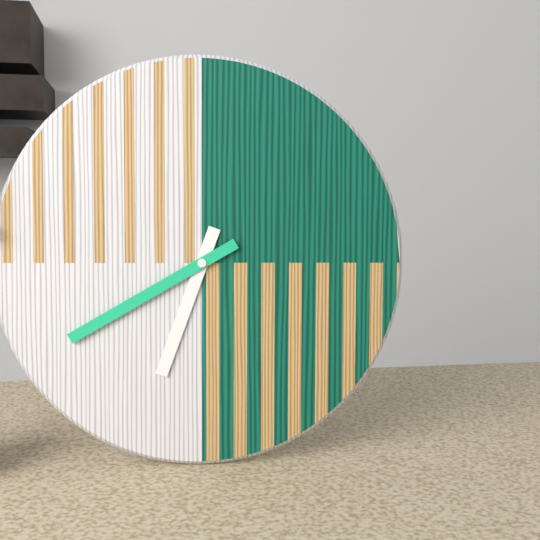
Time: {"hour": 6, "minute": 40}
